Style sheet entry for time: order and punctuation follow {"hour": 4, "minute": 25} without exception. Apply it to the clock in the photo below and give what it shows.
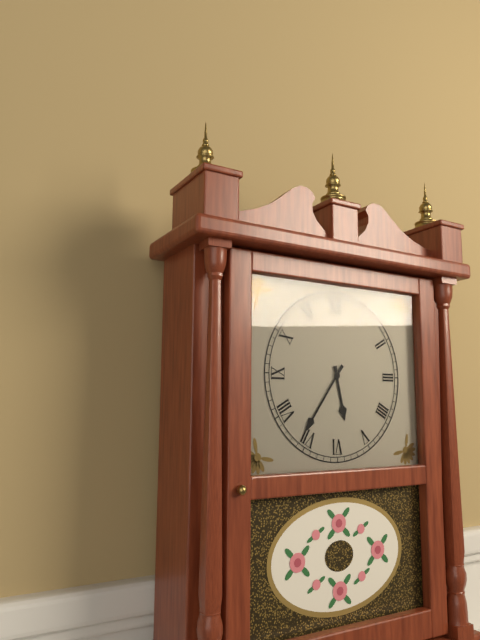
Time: {"hour": 5, "minute": 36}
